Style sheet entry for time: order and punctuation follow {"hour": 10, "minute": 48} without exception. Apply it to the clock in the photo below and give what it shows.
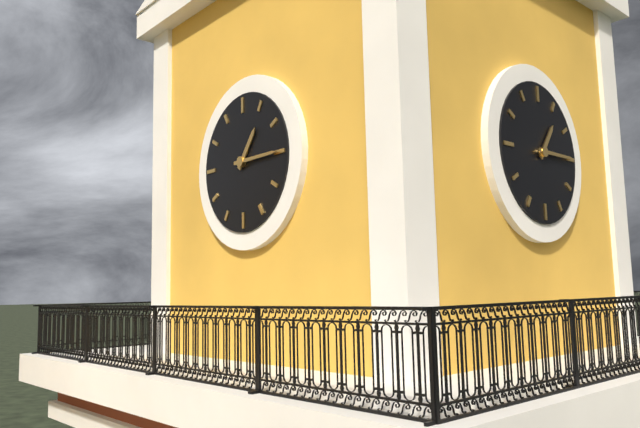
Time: {"hour": 1, "minute": 15}
